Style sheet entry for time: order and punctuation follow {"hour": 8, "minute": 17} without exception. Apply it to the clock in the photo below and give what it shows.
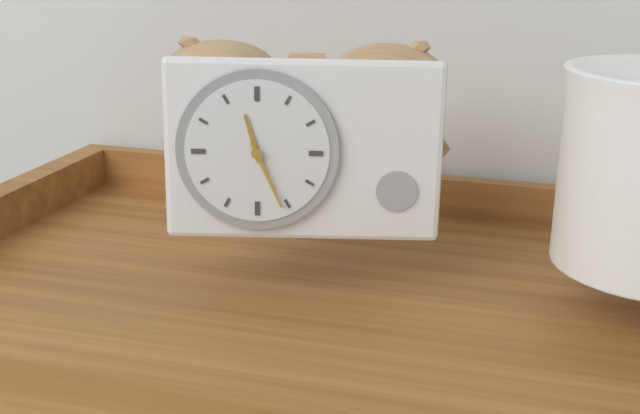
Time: {"hour": 11, "minute": 26}
